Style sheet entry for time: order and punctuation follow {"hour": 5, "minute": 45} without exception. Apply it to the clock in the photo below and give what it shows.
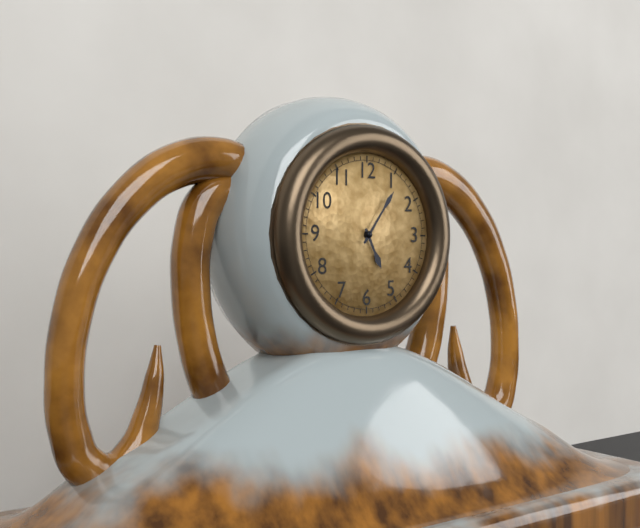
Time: {"hour": 5, "minute": 6}
